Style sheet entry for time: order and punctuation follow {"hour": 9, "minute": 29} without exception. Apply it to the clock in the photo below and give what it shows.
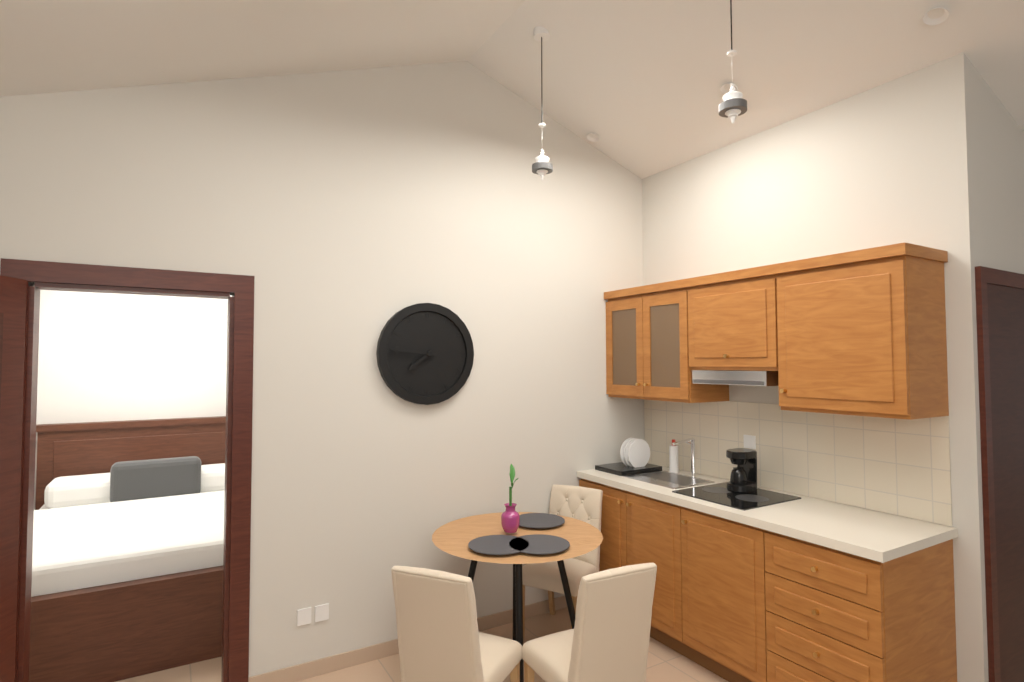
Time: {"hour": 7, "minute": 46}
